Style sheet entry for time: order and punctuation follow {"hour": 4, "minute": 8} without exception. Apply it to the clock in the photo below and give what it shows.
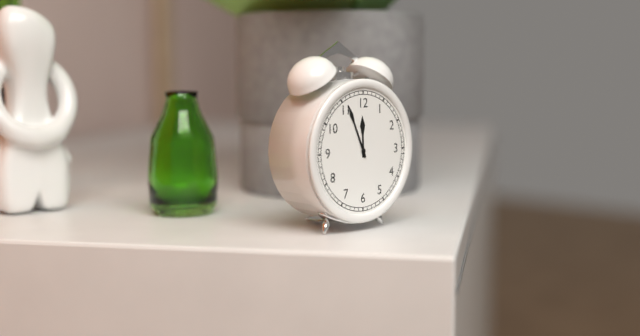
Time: {"hour": 11, "minute": 56}
